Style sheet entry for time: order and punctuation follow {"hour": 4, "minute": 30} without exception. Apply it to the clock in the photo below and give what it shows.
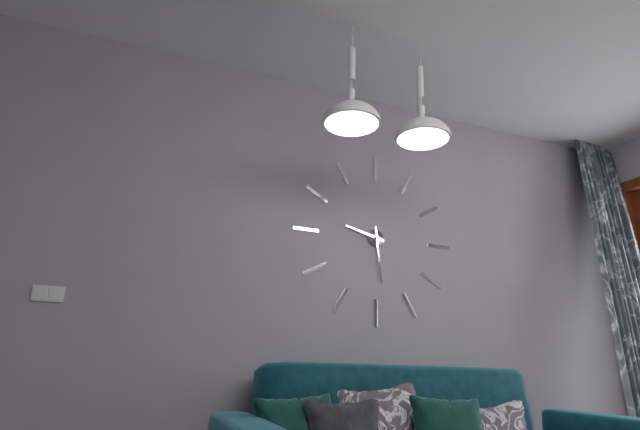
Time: {"hour": 9, "minute": 29}
